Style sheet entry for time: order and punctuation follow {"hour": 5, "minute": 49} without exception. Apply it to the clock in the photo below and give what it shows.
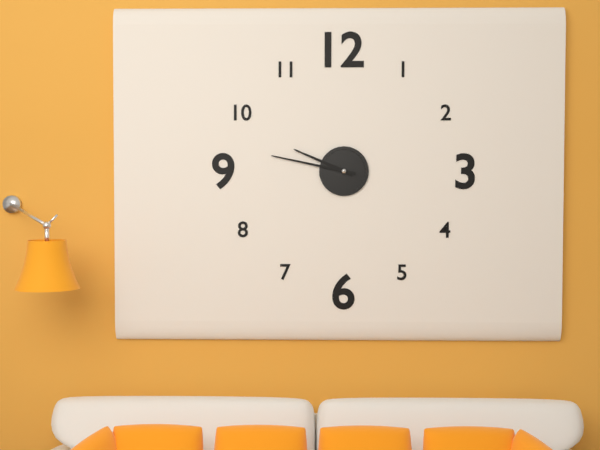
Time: {"hour": 9, "minute": 47}
